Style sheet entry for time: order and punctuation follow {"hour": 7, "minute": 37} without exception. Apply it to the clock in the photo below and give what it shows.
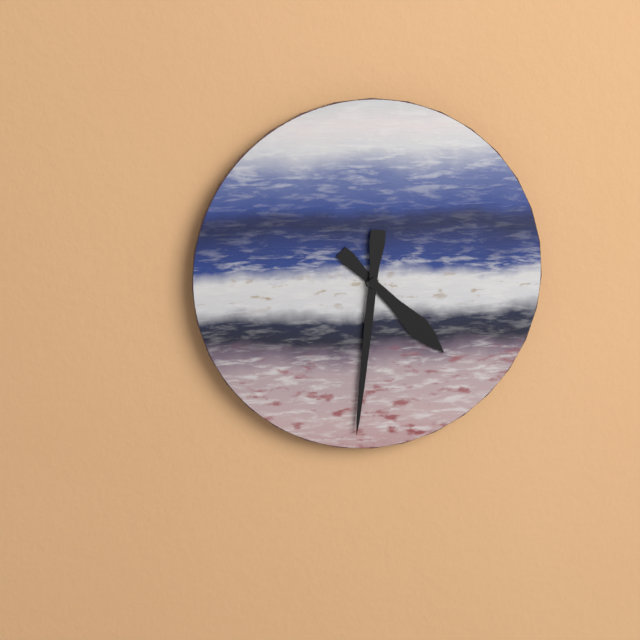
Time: {"hour": 4, "minute": 31}
